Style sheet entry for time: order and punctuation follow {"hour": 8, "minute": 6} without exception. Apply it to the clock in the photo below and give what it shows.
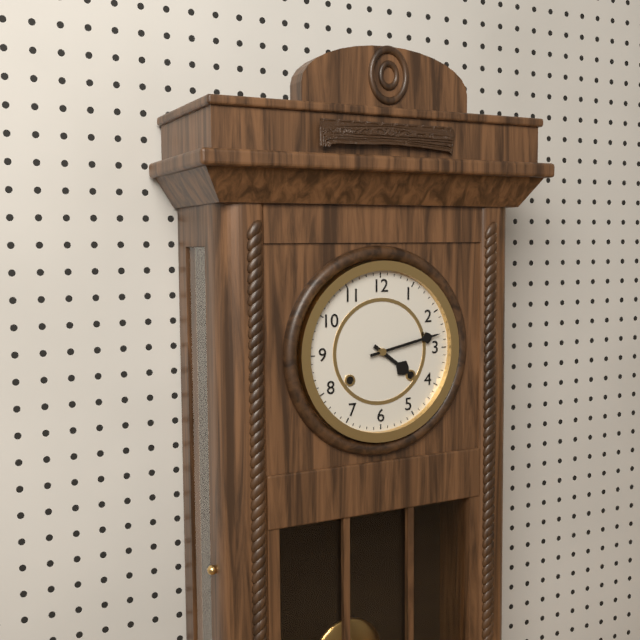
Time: {"hour": 4, "minute": 13}
